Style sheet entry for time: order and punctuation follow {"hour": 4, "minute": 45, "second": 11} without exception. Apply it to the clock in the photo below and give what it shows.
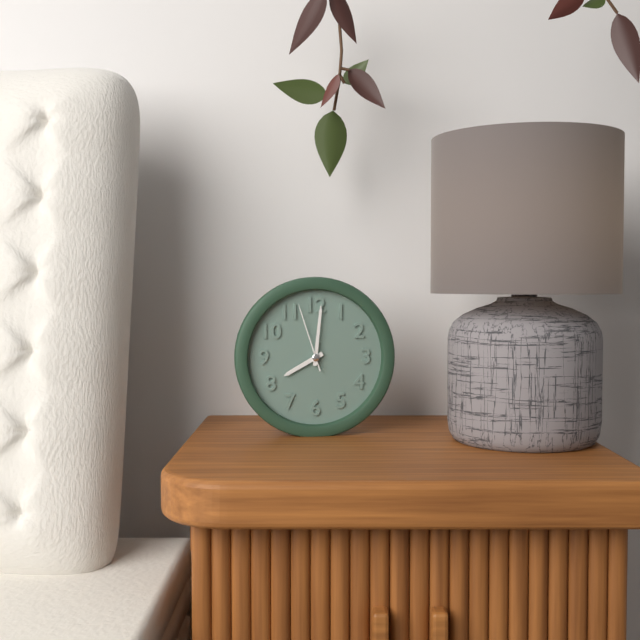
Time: {"hour": 8, "minute": 1, "second": 57}
